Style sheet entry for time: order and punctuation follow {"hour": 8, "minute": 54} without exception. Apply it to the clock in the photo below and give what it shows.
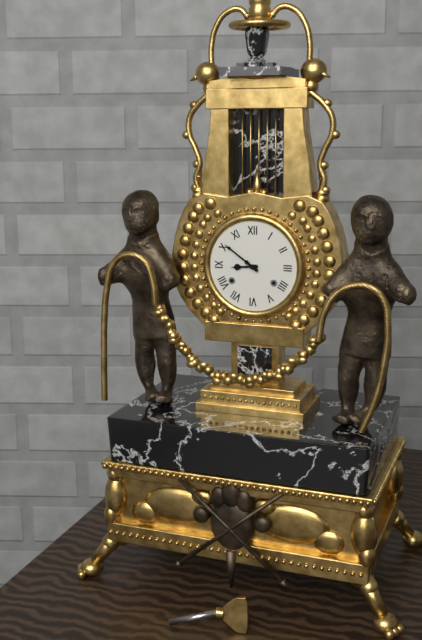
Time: {"hour": 8, "minute": 51}
